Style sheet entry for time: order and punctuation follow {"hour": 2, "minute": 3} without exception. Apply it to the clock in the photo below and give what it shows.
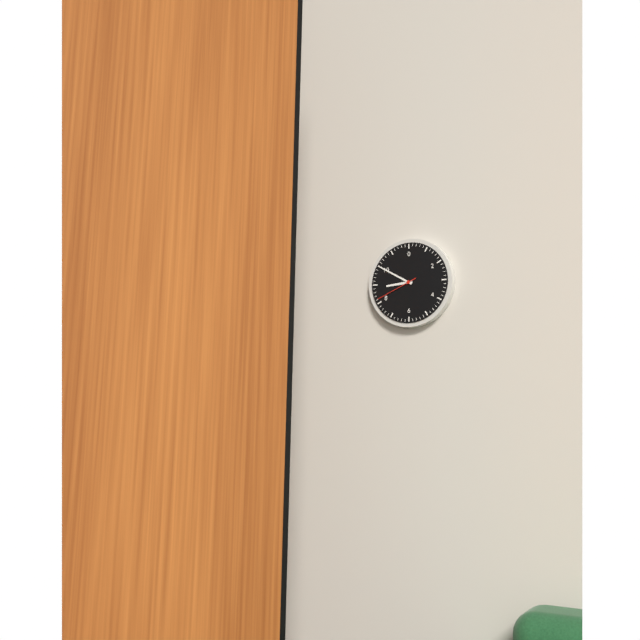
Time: {"hour": 8, "minute": 50}
